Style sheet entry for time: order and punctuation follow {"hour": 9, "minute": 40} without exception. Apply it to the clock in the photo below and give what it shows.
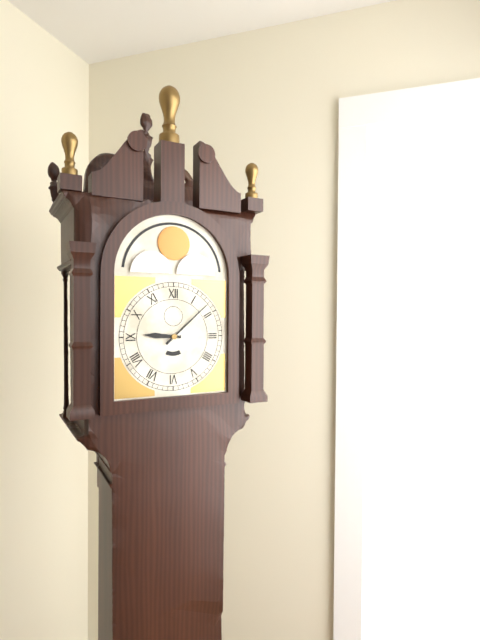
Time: {"hour": 9, "minute": 8}
